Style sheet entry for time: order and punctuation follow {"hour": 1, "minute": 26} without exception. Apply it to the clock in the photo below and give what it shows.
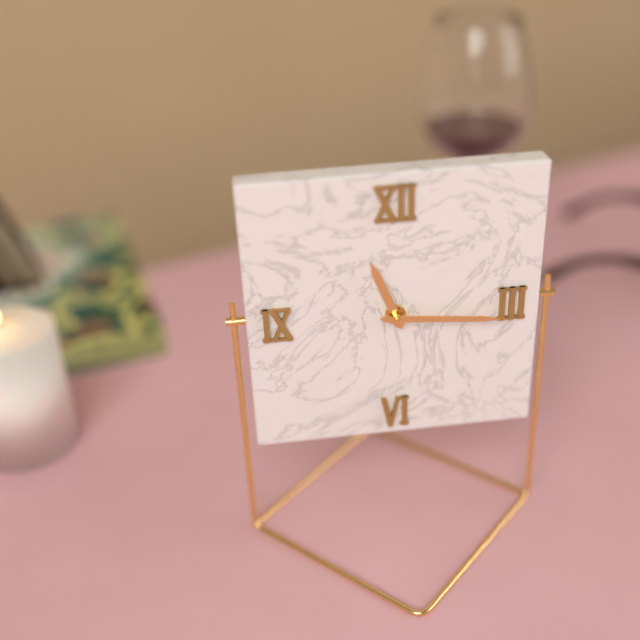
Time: {"hour": 11, "minute": 16}
